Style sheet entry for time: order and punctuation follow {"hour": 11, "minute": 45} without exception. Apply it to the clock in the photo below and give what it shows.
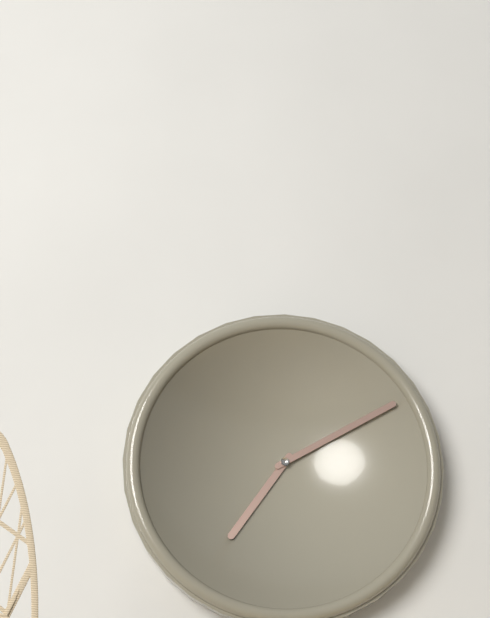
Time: {"hour": 7, "minute": 10}
